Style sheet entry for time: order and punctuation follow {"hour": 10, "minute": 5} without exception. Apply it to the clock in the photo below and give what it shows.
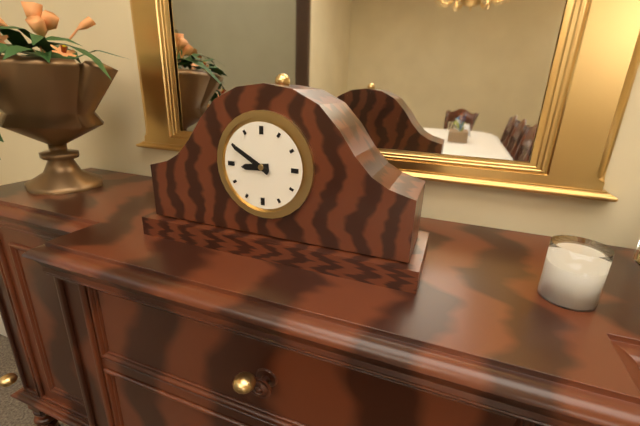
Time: {"hour": 8, "minute": 50}
